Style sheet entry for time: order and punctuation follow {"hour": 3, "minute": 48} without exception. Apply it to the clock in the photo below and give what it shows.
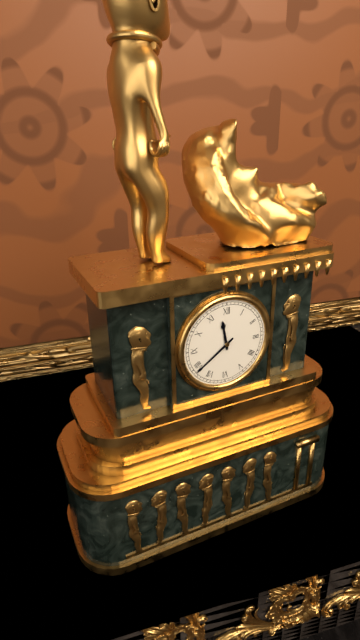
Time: {"hour": 11, "minute": 39}
